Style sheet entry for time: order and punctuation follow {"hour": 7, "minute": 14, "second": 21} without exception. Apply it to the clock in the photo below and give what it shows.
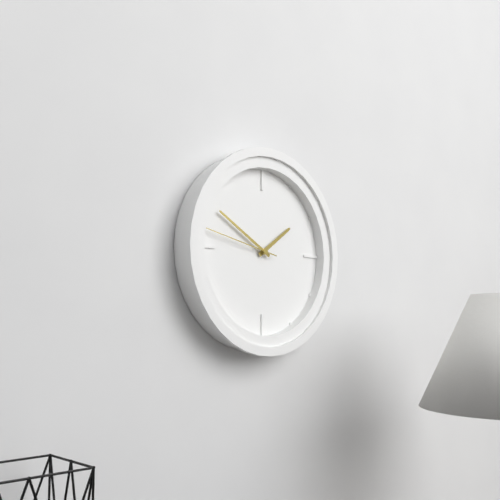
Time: {"hour": 1, "minute": 50, "second": 47}
